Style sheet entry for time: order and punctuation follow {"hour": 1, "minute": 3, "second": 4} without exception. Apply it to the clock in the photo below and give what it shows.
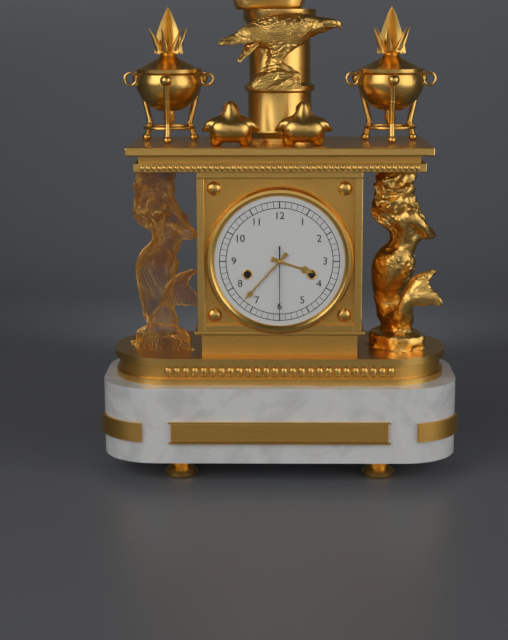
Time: {"hour": 3, "minute": 37, "second": 30}
